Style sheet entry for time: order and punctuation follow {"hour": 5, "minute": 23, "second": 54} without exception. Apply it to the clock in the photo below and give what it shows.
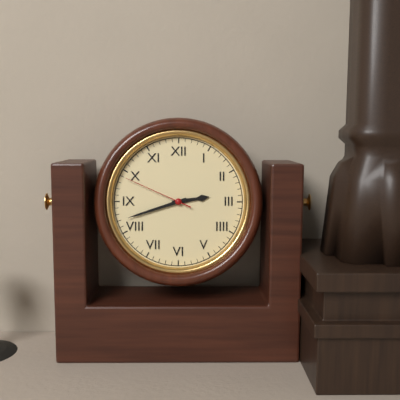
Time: {"hour": 2, "minute": 42, "second": 49}
